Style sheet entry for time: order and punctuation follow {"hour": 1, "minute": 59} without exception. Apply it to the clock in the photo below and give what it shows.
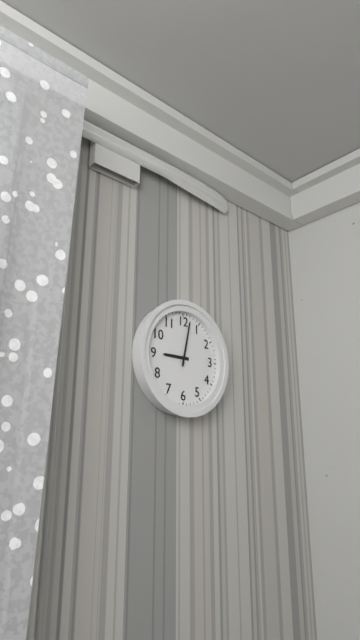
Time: {"hour": 9, "minute": 2}
